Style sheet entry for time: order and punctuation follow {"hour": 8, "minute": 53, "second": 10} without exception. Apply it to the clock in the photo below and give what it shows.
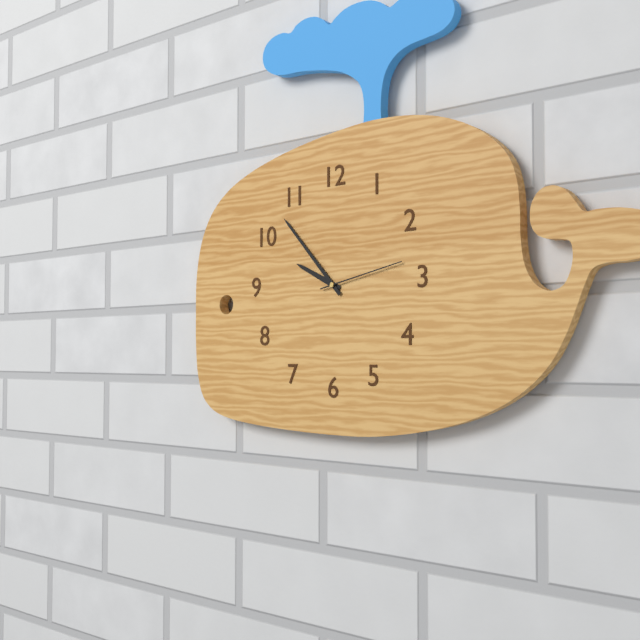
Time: {"hour": 9, "minute": 53, "second": 13}
